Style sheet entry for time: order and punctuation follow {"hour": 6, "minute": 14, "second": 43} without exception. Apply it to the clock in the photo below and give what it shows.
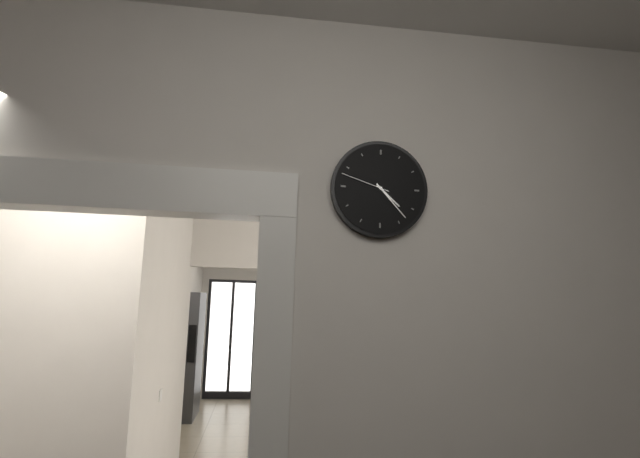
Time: {"hour": 4, "minute": 23, "second": 48}
